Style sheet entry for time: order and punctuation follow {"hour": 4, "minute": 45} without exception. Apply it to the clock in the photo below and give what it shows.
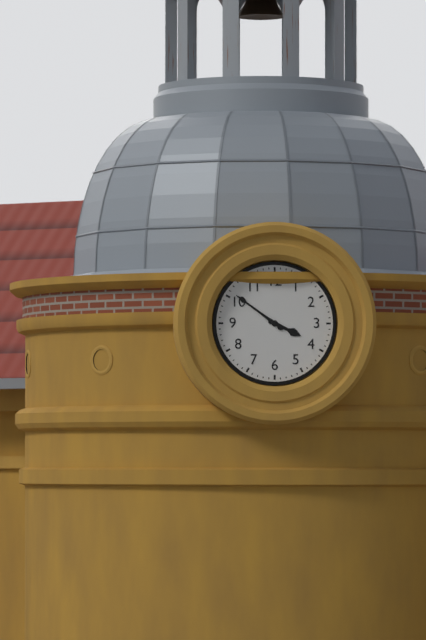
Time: {"hour": 3, "minute": 51}
